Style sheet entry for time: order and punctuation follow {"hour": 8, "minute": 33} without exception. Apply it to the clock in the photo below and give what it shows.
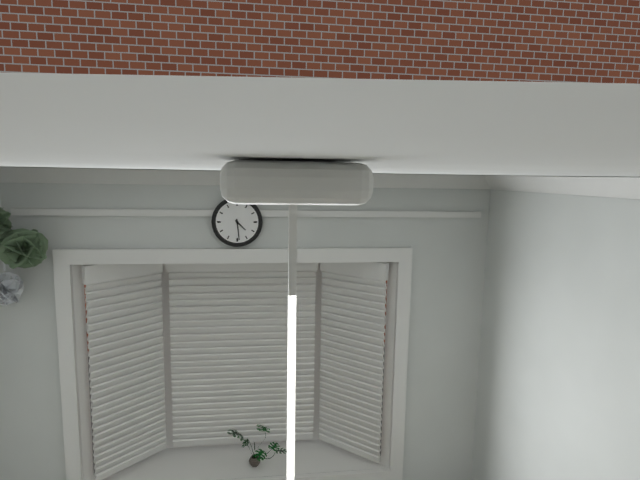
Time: {"hour": 4, "minute": 29}
